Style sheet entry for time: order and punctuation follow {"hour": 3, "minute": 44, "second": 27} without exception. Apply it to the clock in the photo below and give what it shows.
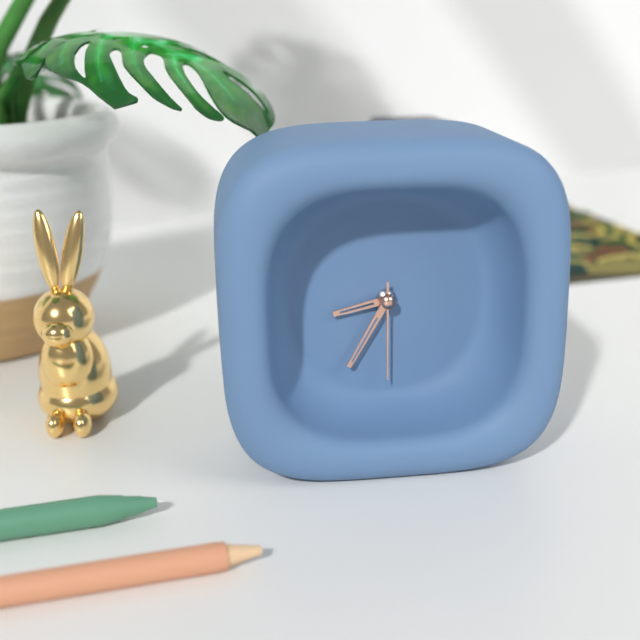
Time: {"hour": 8, "minute": 35, "second": 30}
